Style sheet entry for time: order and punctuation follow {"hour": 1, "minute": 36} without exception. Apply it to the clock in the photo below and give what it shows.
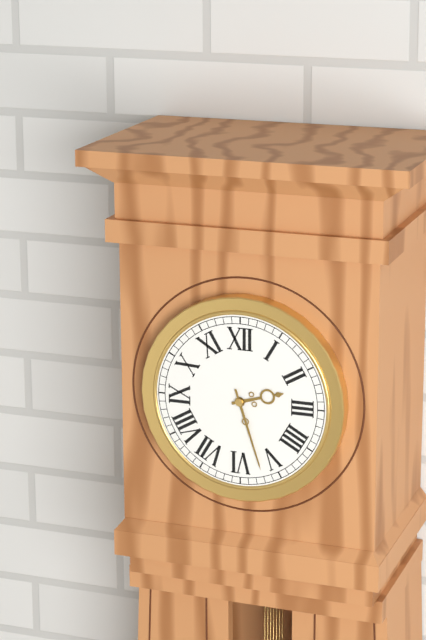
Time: {"hour": 2, "minute": 27}
